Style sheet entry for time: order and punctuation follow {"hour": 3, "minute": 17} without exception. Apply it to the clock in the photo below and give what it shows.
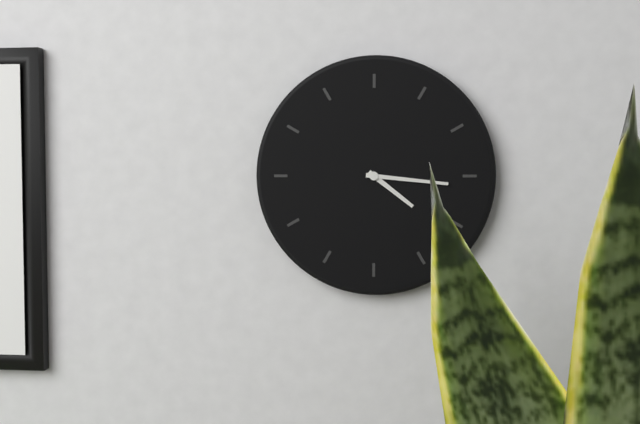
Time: {"hour": 4, "minute": 16}
